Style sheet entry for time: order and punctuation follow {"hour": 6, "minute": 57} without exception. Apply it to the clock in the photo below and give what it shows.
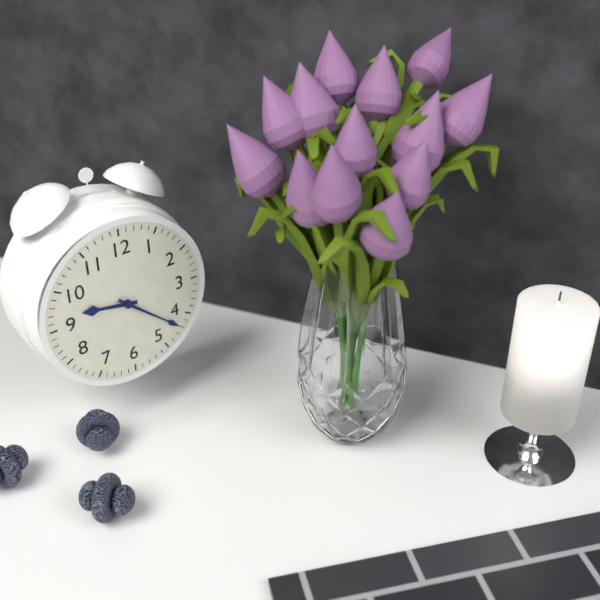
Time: {"hour": 9, "minute": 22}
